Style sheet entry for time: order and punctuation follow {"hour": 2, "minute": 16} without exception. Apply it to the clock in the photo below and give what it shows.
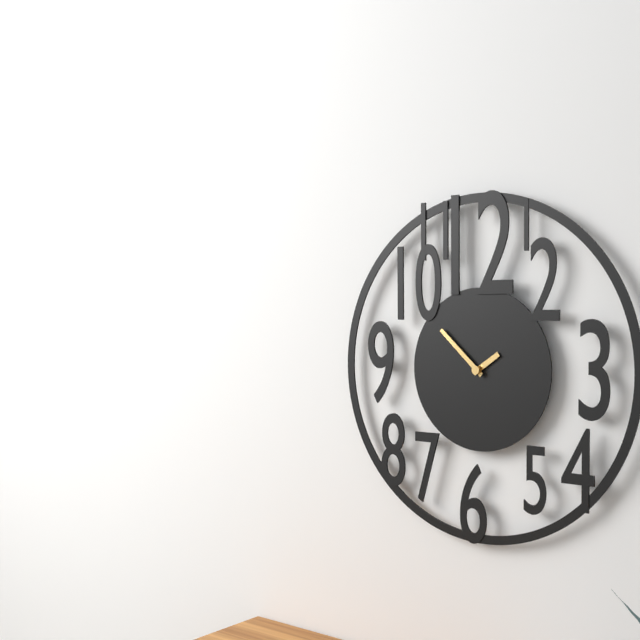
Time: {"hour": 1, "minute": 52}
